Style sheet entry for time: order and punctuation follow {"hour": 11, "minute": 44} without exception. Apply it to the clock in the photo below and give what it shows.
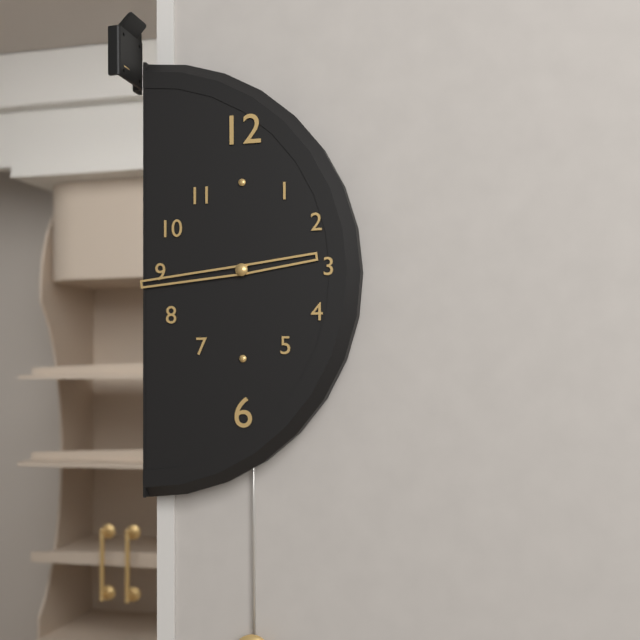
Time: {"hour": 2, "minute": 44}
